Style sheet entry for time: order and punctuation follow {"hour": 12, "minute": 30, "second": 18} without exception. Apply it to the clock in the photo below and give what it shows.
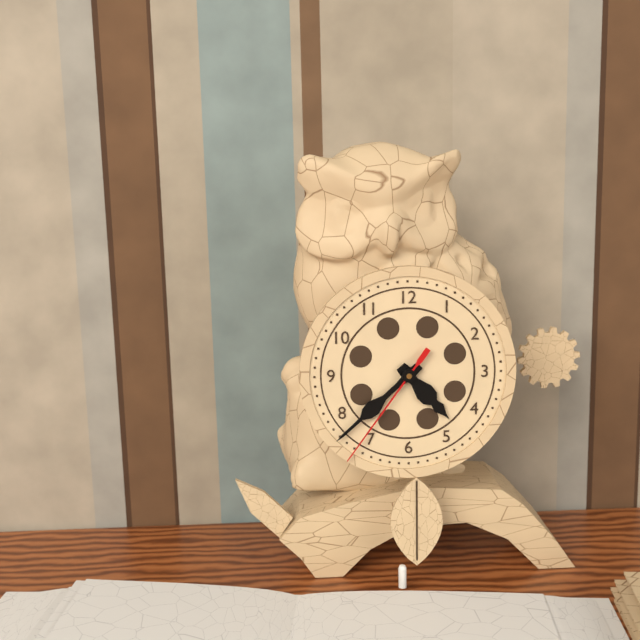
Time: {"hour": 4, "minute": 38, "second": 36}
